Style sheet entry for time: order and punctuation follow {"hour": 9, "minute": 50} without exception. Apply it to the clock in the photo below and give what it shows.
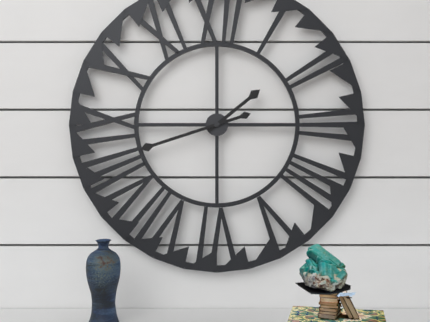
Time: {"hour": 1, "minute": 42}
